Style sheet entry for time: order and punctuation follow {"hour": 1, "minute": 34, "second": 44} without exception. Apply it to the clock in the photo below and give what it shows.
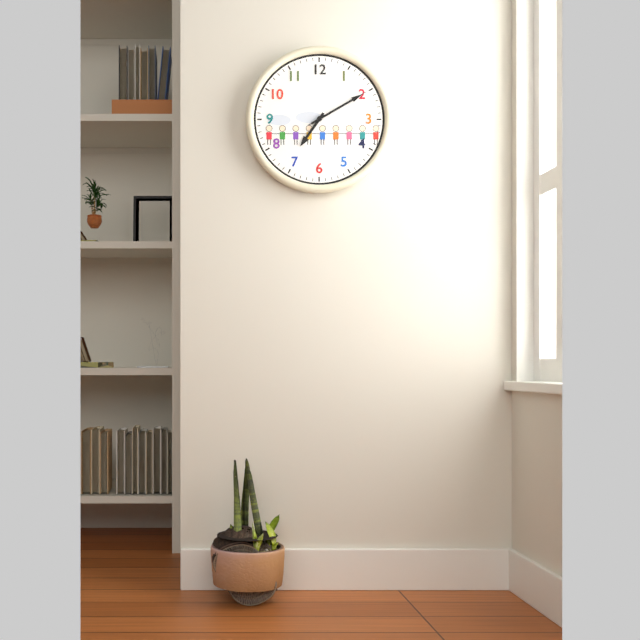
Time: {"hour": 7, "minute": 10, "second": 10}
